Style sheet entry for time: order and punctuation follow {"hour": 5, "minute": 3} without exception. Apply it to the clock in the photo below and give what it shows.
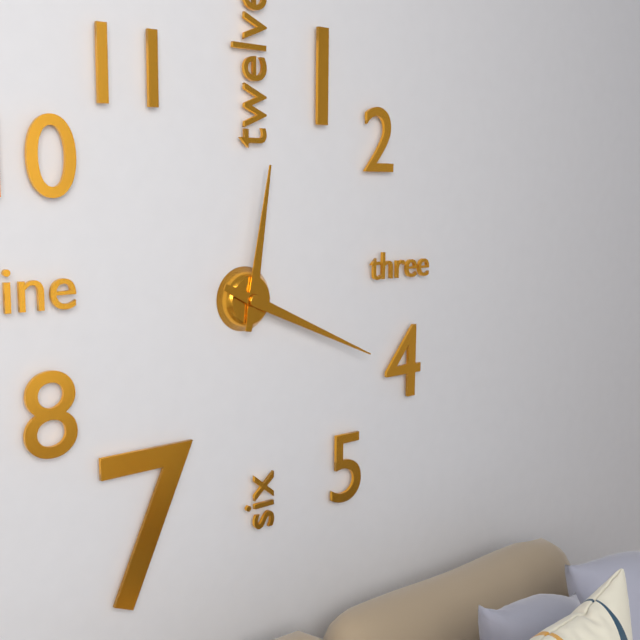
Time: {"hour": 12, "minute": 19}
